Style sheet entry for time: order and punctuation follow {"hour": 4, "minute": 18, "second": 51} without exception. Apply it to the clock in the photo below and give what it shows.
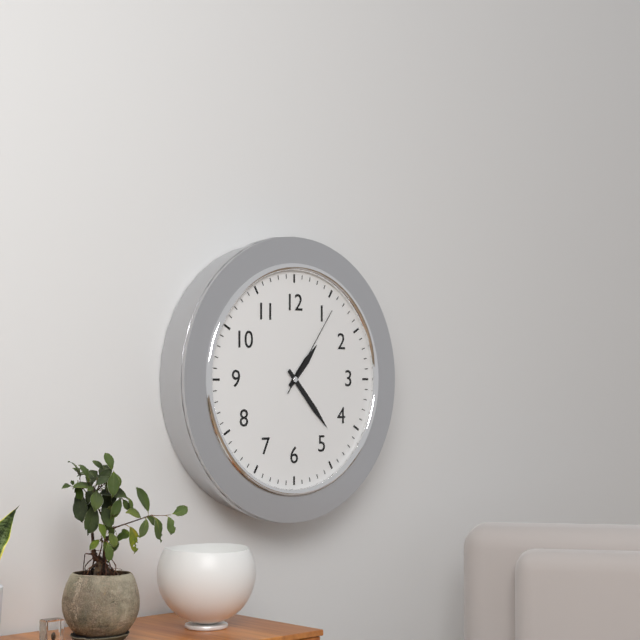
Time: {"hour": 1, "minute": 23, "second": 6}
